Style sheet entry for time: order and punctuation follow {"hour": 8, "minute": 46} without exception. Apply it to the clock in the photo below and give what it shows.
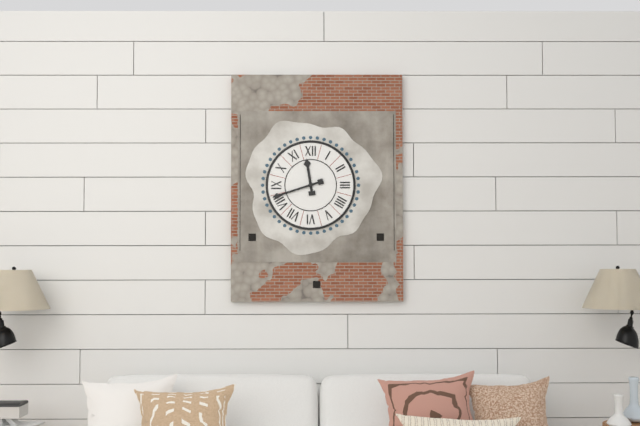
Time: {"hour": 11, "minute": 42}
